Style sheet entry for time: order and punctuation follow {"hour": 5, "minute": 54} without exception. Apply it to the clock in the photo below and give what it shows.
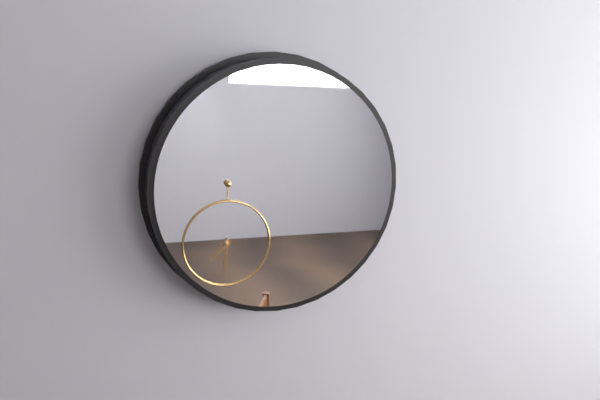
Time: {"hour": 7, "minute": 31}
